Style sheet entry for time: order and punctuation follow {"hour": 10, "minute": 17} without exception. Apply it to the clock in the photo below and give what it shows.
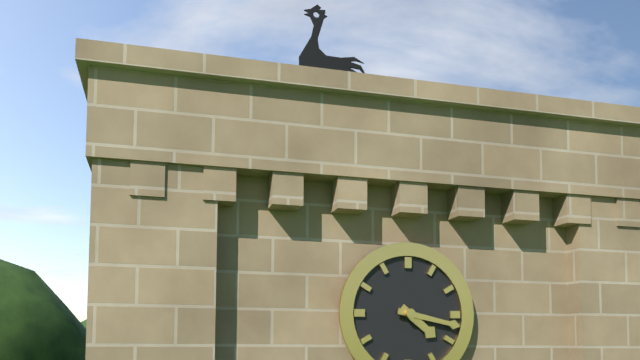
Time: {"hour": 4, "minute": 17}
